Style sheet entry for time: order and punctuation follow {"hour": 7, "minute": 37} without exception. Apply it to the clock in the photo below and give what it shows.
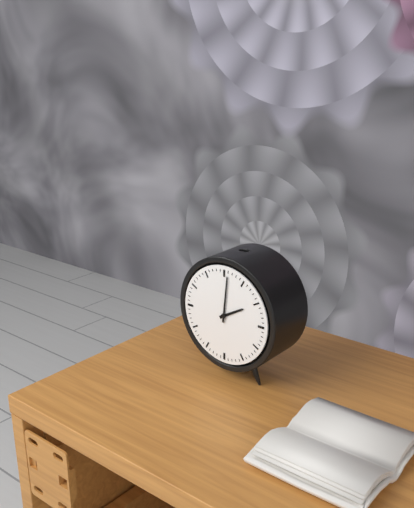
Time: {"hour": 2, "minute": 1}
